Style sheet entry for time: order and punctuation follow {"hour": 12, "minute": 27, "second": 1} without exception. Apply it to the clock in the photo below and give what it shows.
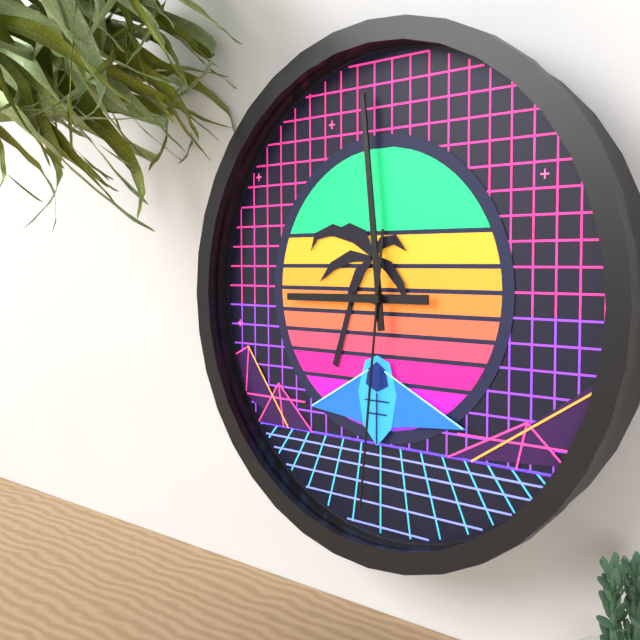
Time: {"hour": 8, "minute": 59, "second": 31}
